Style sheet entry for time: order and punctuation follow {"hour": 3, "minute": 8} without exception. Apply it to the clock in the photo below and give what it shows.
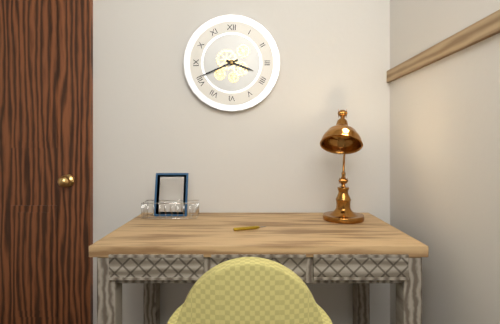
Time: {"hour": 3, "minute": 41}
